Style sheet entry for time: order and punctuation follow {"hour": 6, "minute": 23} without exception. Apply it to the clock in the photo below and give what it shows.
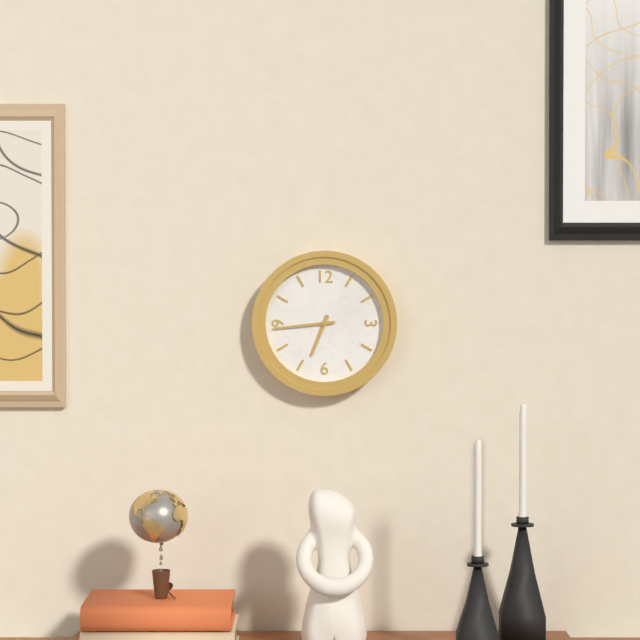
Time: {"hour": 6, "minute": 44}
